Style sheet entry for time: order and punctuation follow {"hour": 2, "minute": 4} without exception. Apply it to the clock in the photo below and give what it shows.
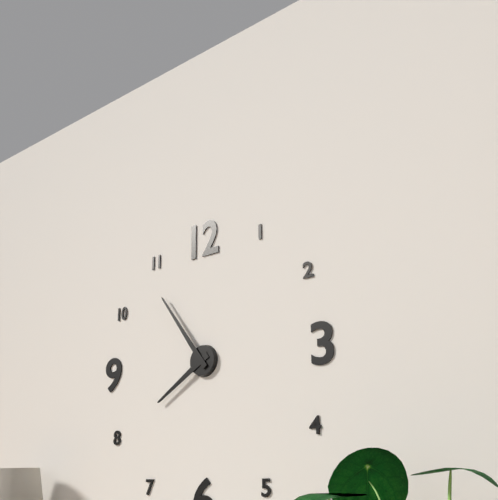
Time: {"hour": 7, "minute": 54}
